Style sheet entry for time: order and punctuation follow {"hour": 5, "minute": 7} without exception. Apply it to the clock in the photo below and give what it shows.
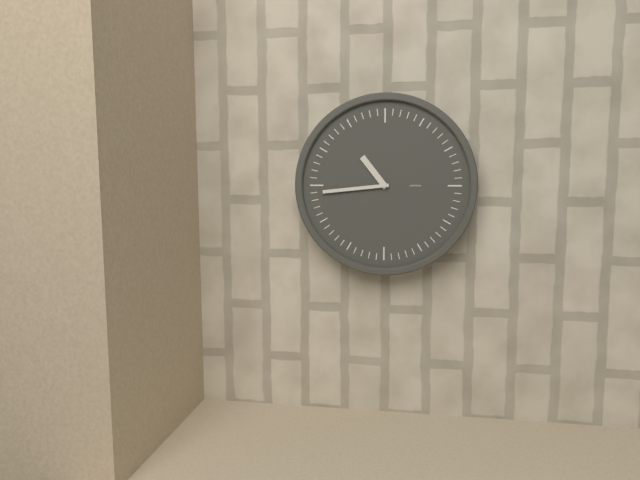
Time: {"hour": 10, "minute": 44}
